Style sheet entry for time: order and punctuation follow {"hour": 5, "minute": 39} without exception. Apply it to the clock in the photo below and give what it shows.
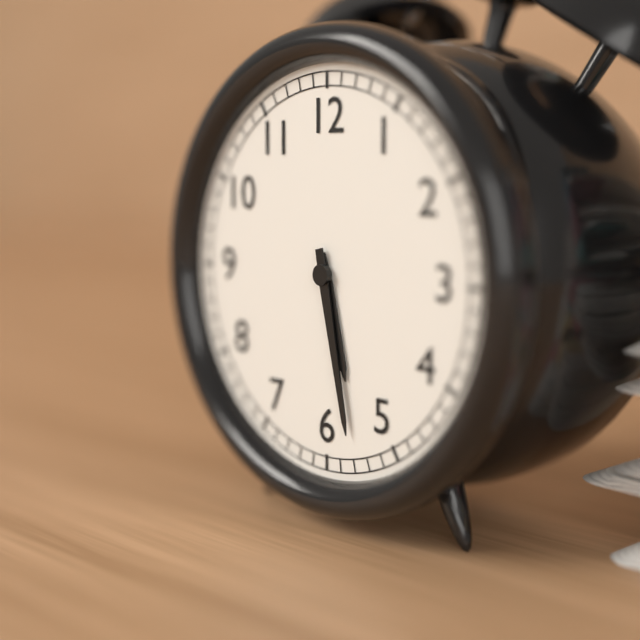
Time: {"hour": 5, "minute": 28}
